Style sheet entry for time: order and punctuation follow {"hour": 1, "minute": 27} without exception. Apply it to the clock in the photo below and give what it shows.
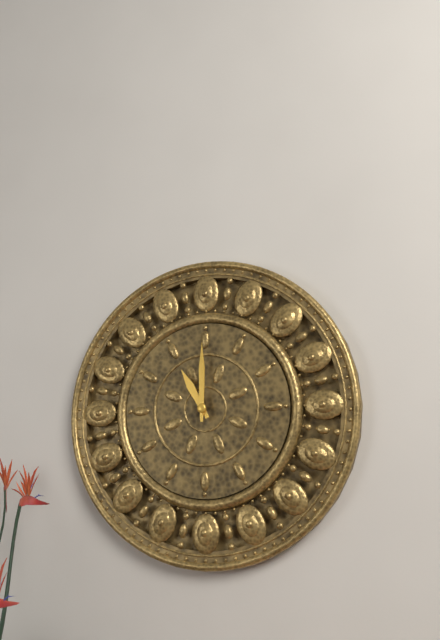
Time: {"hour": 11, "minute": 0}
